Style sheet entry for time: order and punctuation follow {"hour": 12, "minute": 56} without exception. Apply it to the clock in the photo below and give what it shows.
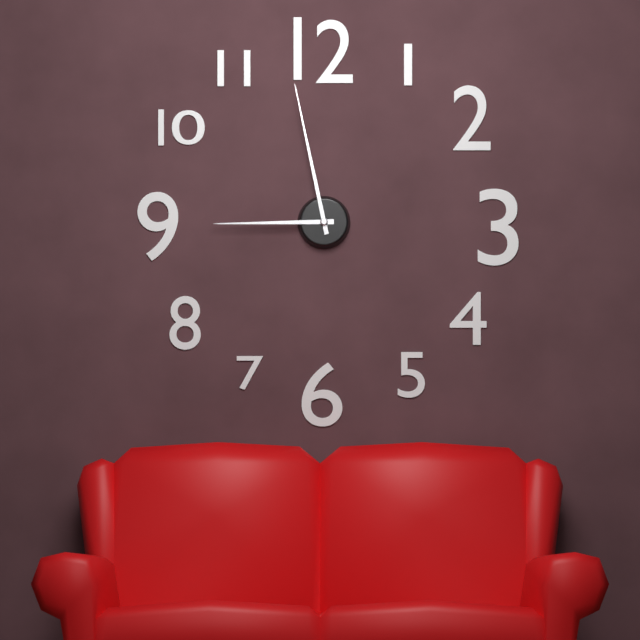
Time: {"hour": 8, "minute": 58}
